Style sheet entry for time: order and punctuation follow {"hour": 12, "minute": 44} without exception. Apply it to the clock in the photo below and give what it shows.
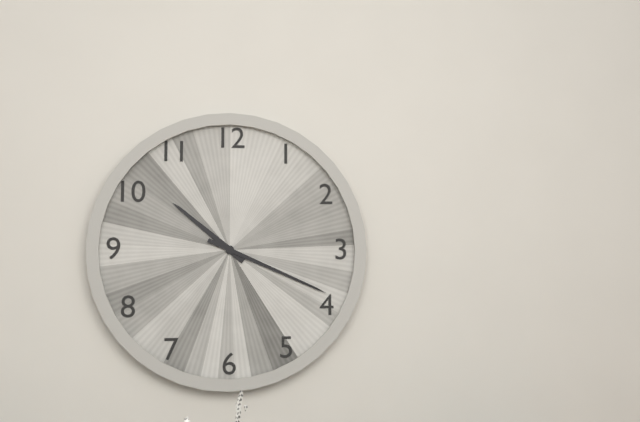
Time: {"hour": 10, "minute": 19}
